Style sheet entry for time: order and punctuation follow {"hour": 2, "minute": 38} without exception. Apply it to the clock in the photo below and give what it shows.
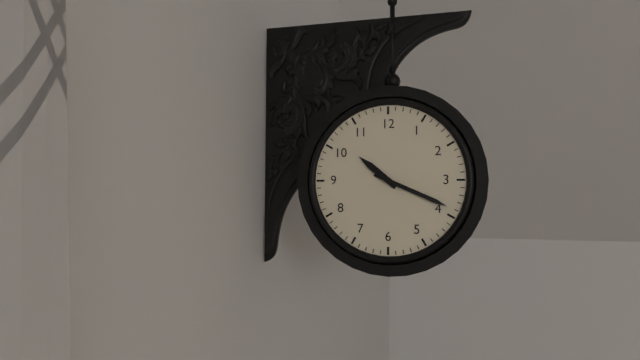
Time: {"hour": 10, "minute": 19}
